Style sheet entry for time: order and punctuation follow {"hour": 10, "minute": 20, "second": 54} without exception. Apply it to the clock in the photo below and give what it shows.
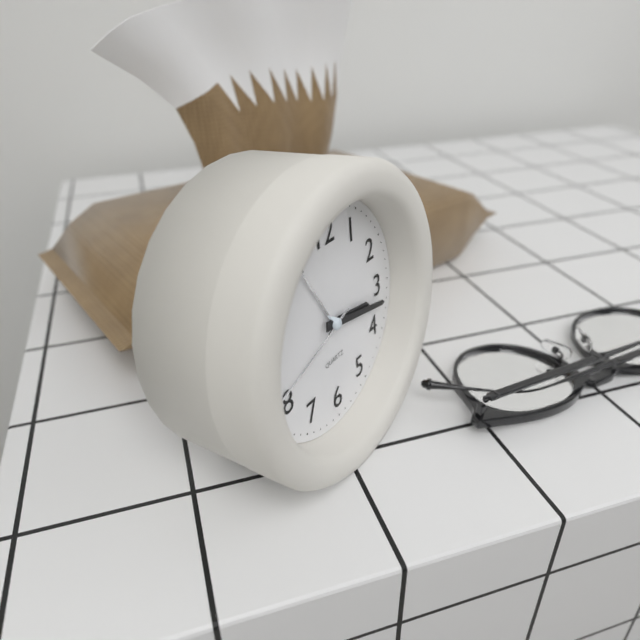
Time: {"hour": 3, "minute": 17, "second": 42}
